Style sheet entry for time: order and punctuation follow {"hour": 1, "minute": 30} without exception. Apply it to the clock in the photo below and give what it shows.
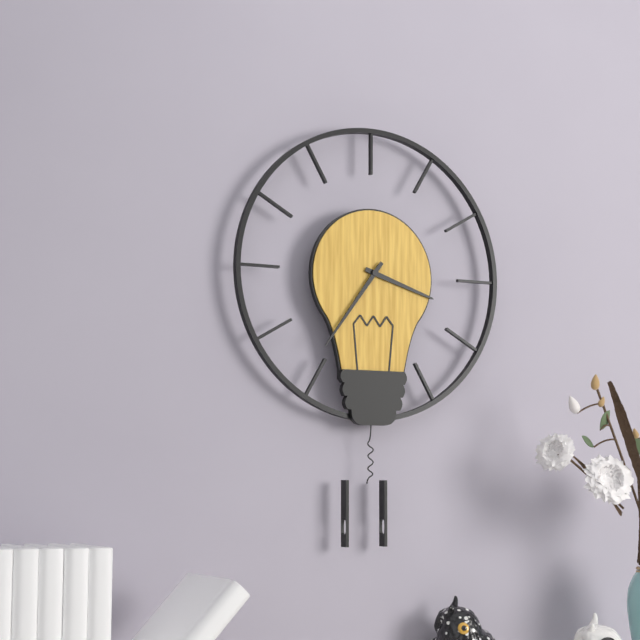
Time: {"hour": 3, "minute": 36}
